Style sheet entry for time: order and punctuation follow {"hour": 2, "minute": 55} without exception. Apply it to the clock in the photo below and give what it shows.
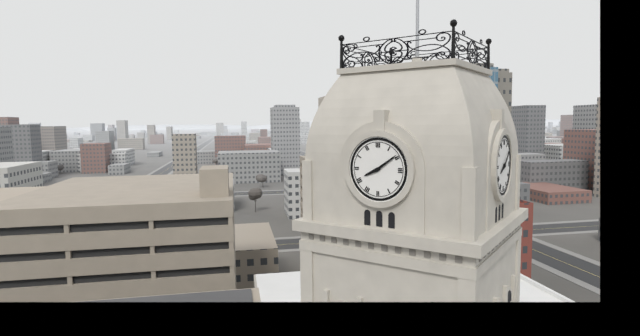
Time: {"hour": 8, "minute": 9}
